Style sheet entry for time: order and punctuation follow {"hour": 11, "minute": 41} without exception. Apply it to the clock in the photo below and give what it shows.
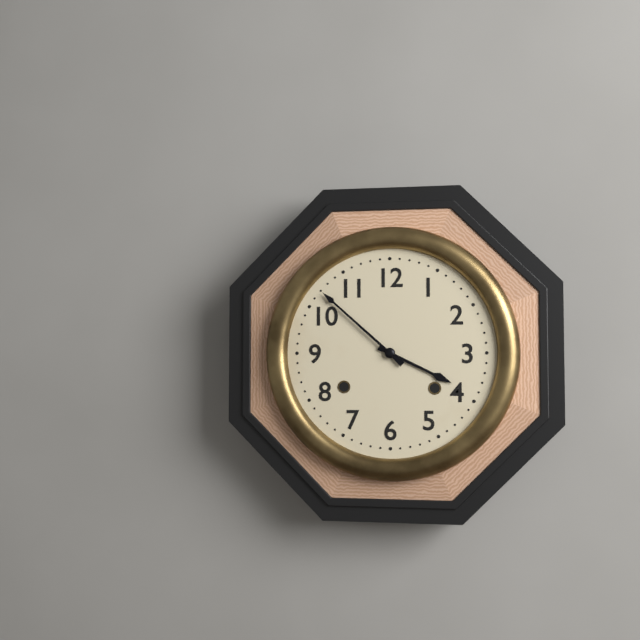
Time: {"hour": 3, "minute": 52}
